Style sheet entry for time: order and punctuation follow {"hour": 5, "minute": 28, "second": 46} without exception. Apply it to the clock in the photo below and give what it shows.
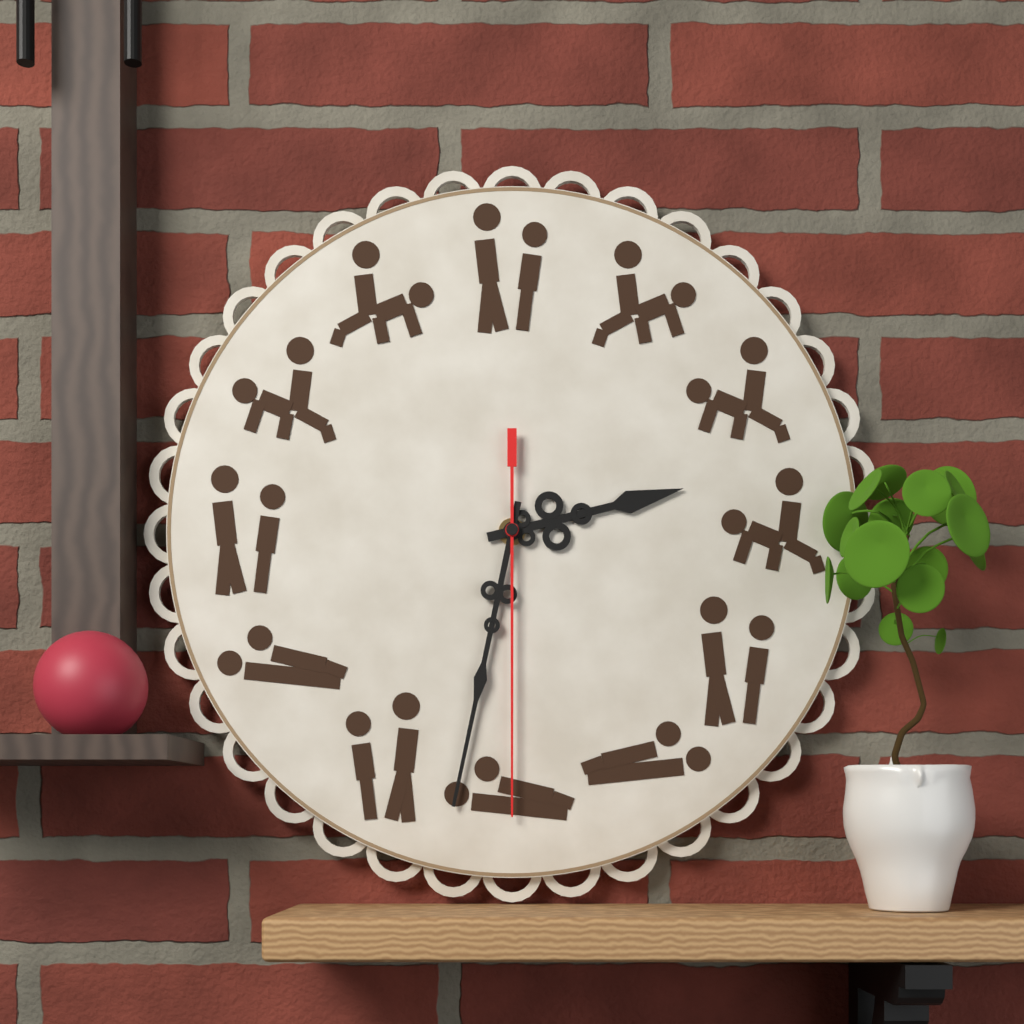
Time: {"hour": 2, "minute": 32, "second": 30}
